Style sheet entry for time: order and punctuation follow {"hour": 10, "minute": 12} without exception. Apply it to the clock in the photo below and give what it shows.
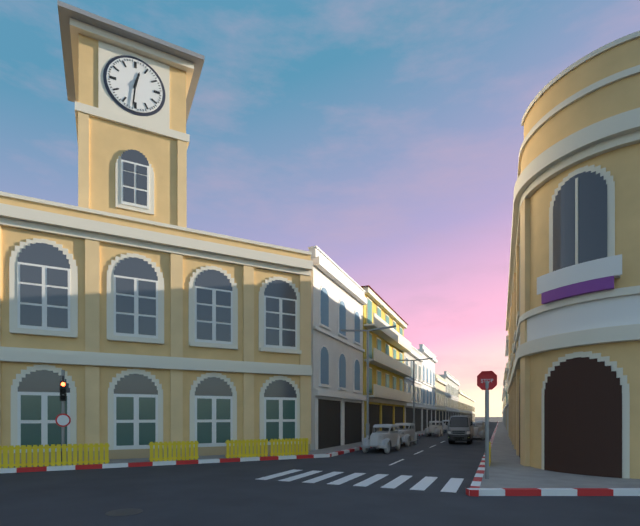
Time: {"hour": 12, "minute": 31}
